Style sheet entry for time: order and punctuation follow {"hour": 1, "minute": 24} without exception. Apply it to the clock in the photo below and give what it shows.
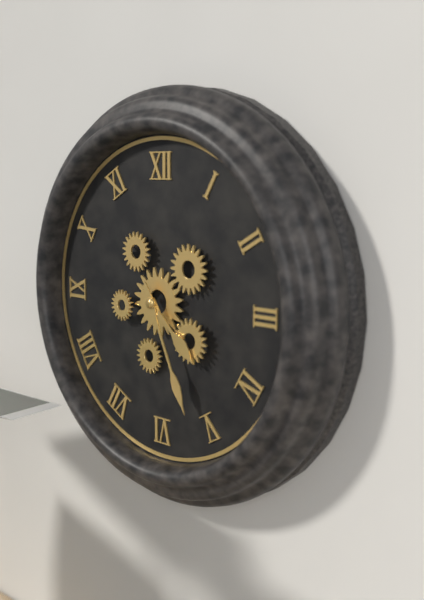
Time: {"hour": 4, "minute": 26}
